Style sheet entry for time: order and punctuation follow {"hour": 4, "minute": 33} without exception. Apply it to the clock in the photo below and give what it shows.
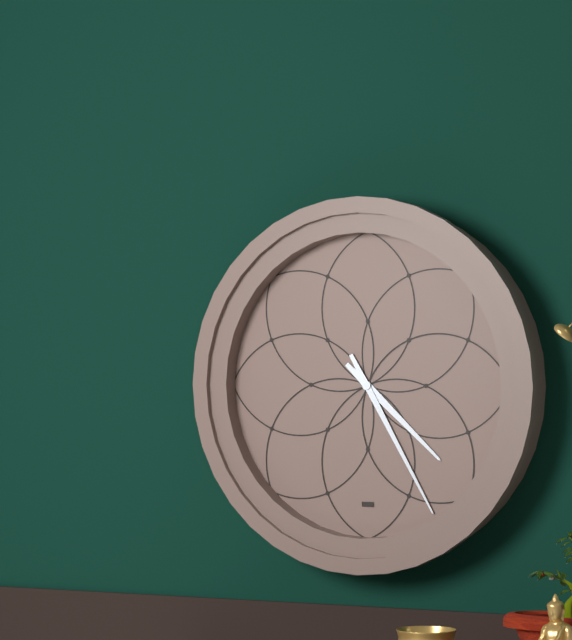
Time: {"hour": 4, "minute": 25}
